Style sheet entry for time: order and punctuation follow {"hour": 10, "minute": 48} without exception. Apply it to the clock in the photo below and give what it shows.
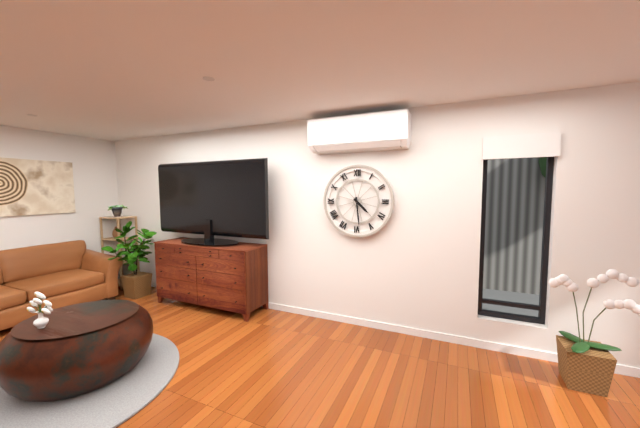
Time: {"hour": 4, "minute": 29}
